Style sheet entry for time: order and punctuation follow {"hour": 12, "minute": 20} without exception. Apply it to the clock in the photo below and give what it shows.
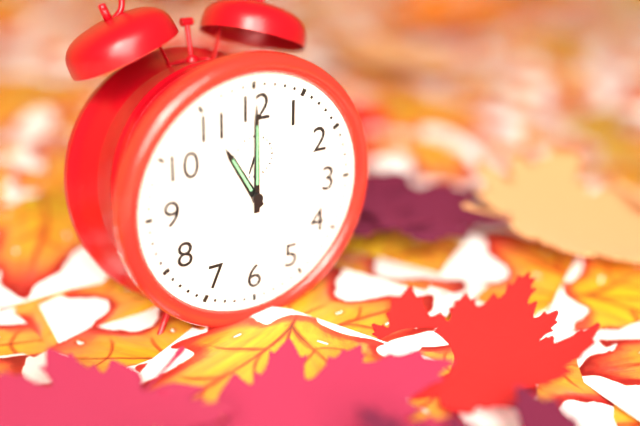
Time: {"hour": 11, "minute": 0}
